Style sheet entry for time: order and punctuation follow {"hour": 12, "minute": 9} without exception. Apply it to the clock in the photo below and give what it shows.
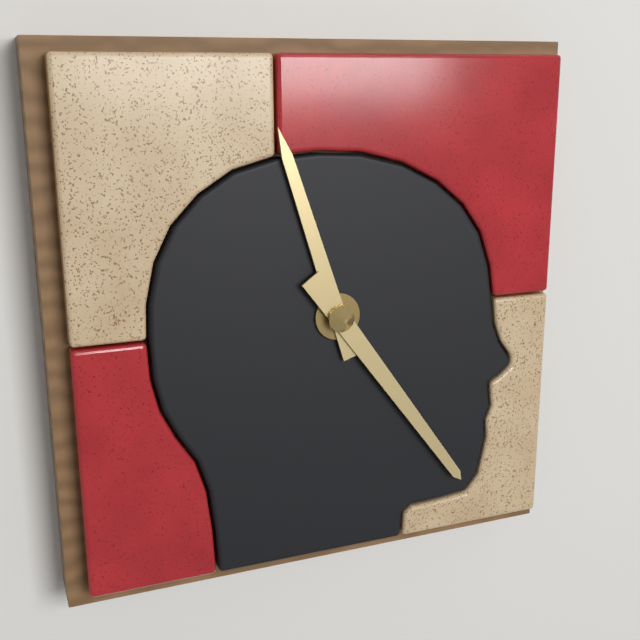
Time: {"hour": 11, "minute": 24}
